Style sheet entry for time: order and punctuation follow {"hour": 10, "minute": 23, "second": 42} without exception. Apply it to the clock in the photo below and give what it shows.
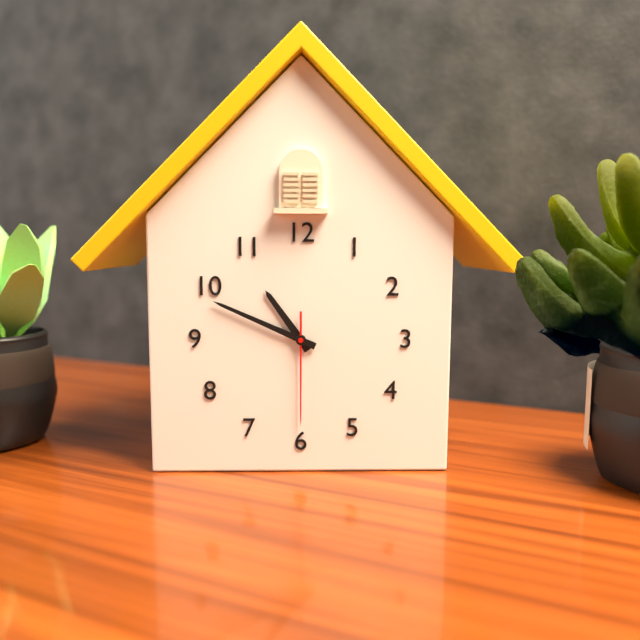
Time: {"hour": 10, "minute": 49, "second": 30}
